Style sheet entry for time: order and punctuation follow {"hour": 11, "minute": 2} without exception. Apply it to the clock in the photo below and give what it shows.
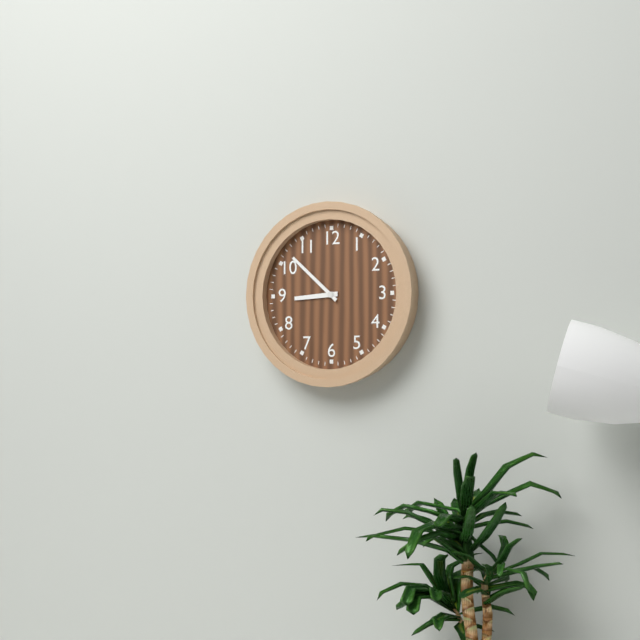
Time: {"hour": 8, "minute": 52}
